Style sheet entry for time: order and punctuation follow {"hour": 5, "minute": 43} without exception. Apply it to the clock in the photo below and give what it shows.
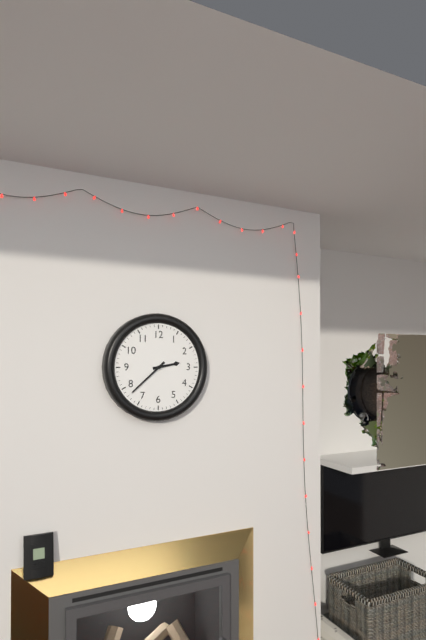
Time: {"hour": 2, "minute": 38}
